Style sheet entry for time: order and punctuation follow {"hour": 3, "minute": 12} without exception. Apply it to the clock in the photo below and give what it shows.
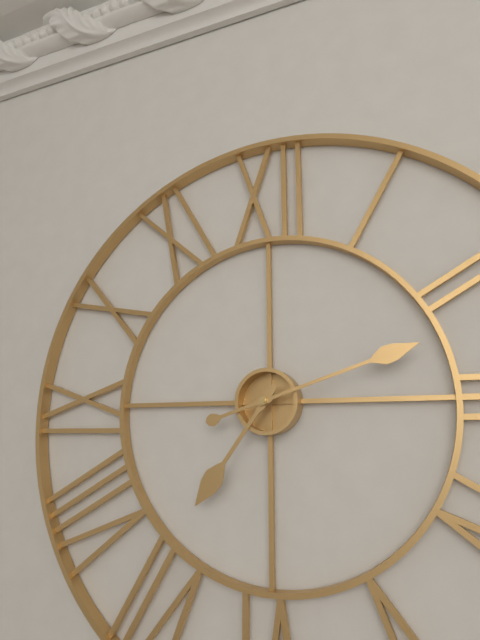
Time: {"hour": 7, "minute": 12}
